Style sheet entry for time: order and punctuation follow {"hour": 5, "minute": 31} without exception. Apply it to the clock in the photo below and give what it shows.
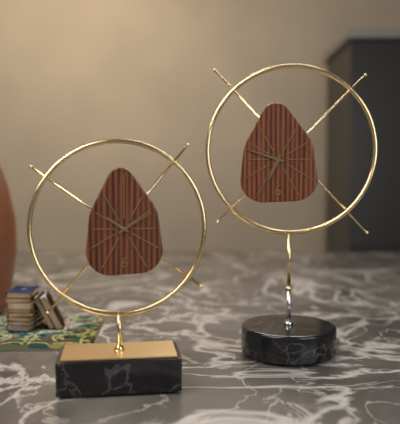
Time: {"hour": 6, "minute": 48}
